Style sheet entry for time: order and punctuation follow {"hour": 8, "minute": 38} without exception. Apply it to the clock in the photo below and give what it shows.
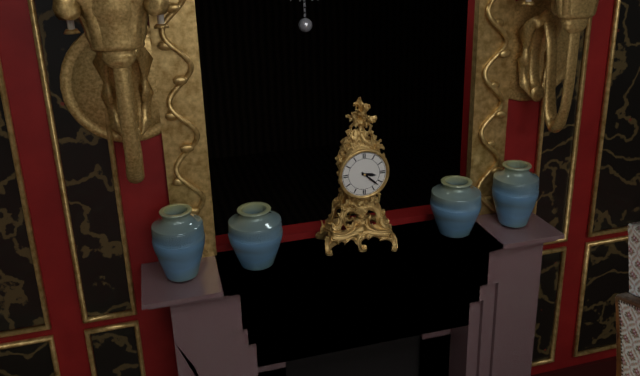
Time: {"hour": 3, "minute": 22}
